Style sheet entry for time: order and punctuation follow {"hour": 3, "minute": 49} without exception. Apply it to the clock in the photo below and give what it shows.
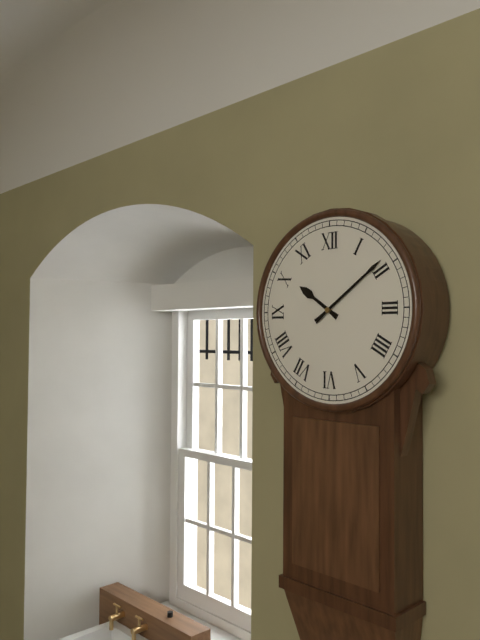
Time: {"hour": 10, "minute": 9}
